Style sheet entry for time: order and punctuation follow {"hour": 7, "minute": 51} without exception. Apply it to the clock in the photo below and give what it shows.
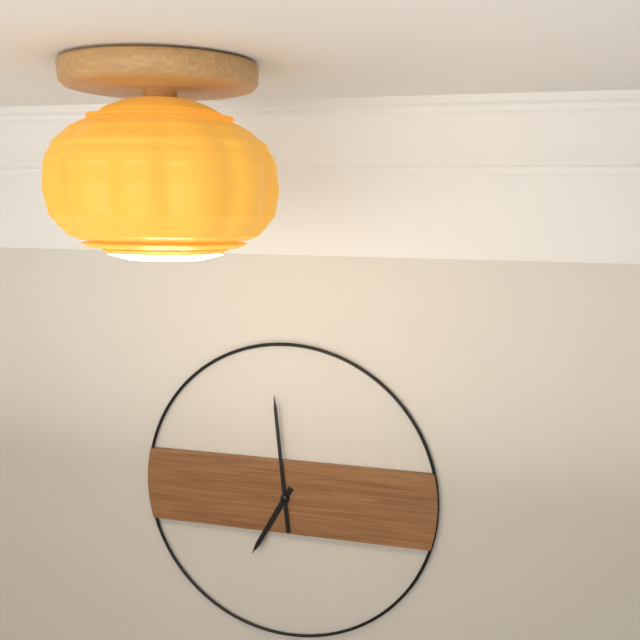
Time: {"hour": 6, "minute": 59}
